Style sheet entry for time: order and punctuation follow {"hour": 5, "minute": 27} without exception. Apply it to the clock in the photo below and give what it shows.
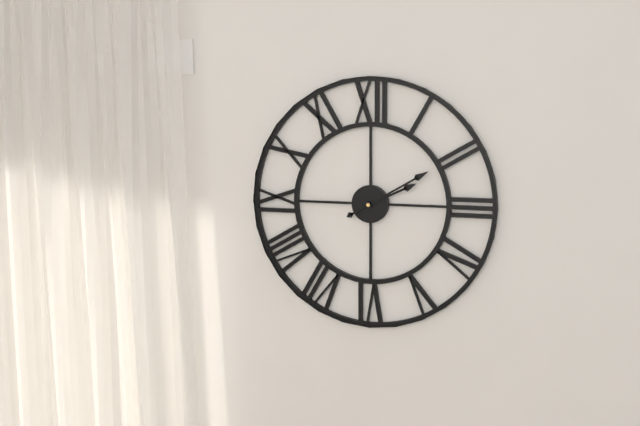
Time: {"hour": 2, "minute": 10}
